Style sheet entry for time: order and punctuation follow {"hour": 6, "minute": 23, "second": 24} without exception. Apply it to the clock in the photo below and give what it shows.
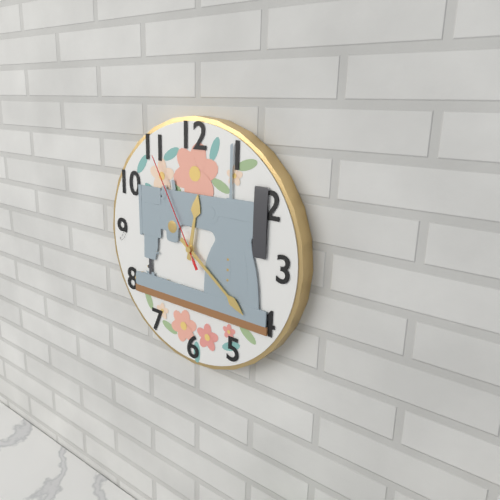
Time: {"hour": 12, "minute": 21, "second": 55}
